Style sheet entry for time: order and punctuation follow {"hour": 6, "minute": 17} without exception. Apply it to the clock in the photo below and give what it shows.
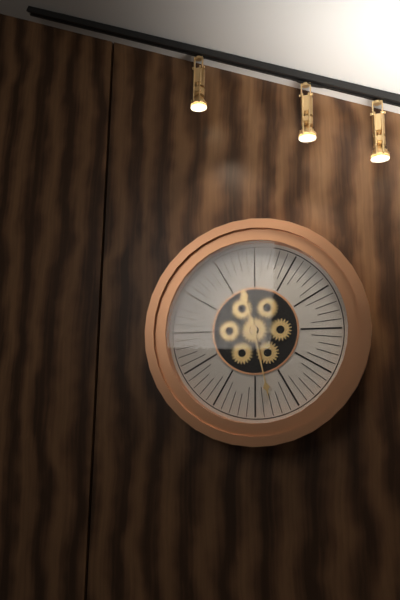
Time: {"hour": 11, "minute": 28}
